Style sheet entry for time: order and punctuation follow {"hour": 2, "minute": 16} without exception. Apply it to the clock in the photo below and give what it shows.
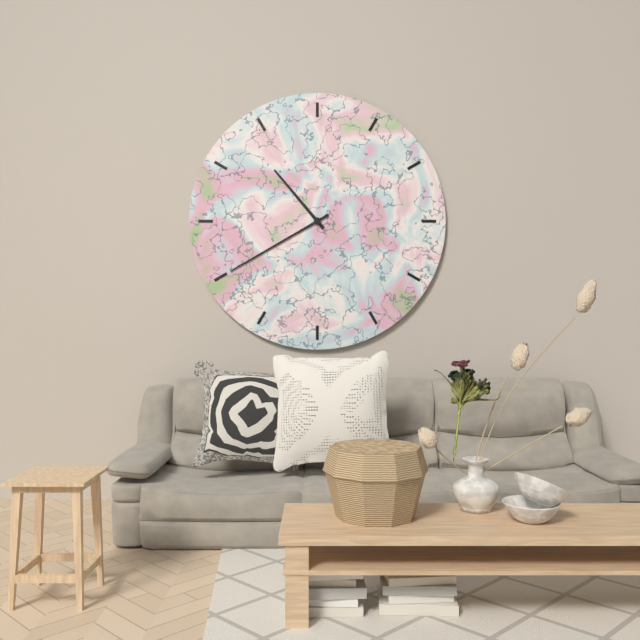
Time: {"hour": 10, "minute": 40}
